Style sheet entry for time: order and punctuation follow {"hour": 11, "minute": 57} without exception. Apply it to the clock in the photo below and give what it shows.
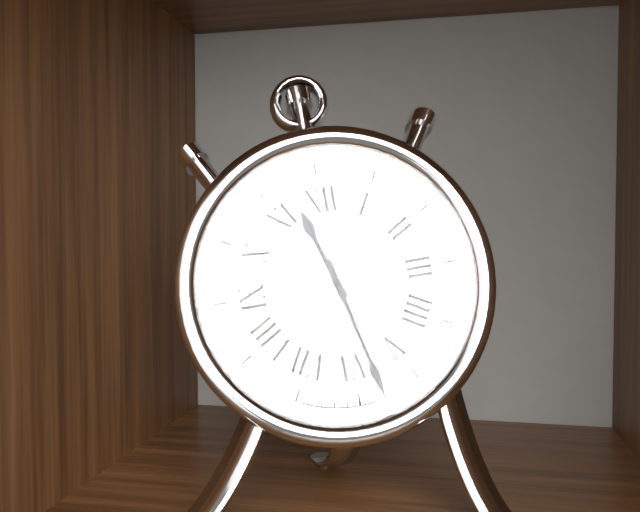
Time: {"hour": 11, "minute": 28}
